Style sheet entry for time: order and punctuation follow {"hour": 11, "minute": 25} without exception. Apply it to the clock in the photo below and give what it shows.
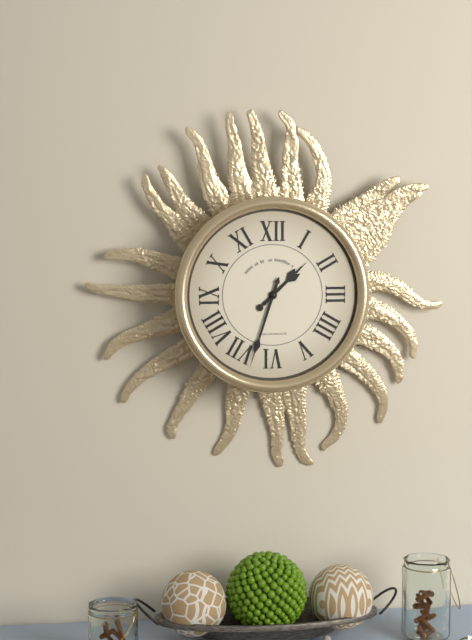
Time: {"hour": 1, "minute": 33}
